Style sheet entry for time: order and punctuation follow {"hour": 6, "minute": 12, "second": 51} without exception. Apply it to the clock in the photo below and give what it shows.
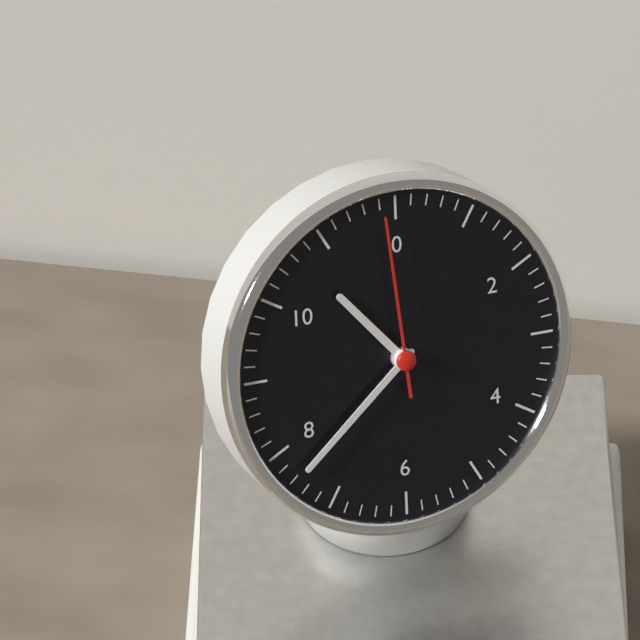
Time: {"hour": 10, "minute": 38, "second": 59}
